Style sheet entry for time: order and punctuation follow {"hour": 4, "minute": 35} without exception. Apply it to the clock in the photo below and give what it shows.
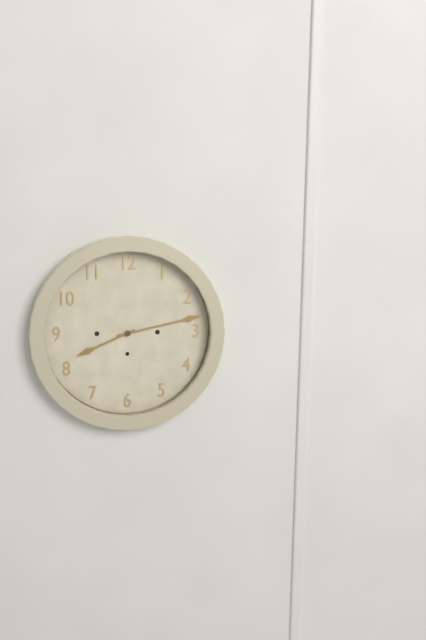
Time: {"hour": 8, "minute": 13}
